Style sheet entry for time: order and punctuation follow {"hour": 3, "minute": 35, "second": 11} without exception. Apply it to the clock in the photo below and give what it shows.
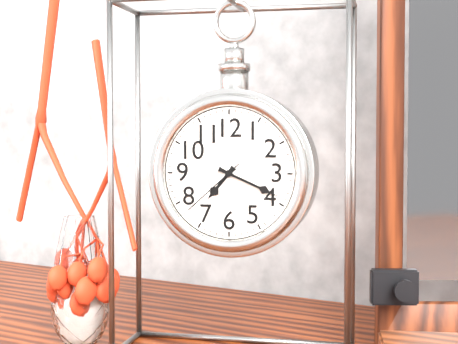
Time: {"hour": 7, "minute": 19, "second": 38}
